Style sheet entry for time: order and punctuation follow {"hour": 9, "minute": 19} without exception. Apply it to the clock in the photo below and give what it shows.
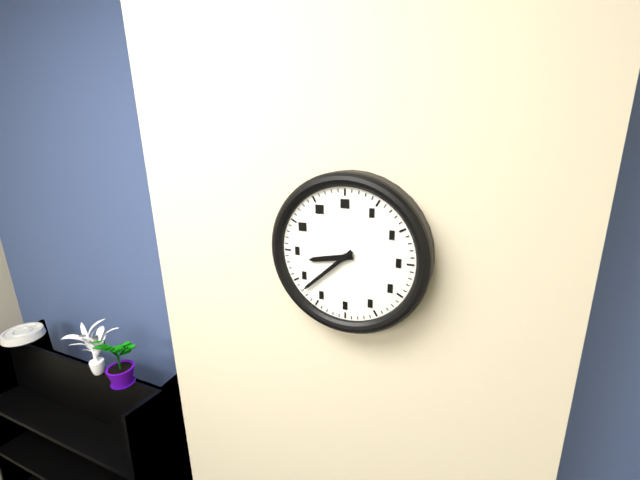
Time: {"hour": 8, "minute": 38}
